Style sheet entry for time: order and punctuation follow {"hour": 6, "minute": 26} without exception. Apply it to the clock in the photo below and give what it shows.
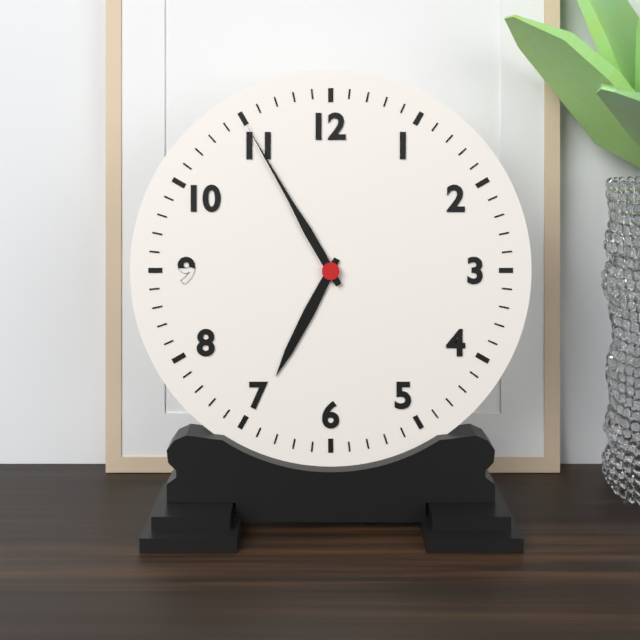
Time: {"hour": 6, "minute": 55}
